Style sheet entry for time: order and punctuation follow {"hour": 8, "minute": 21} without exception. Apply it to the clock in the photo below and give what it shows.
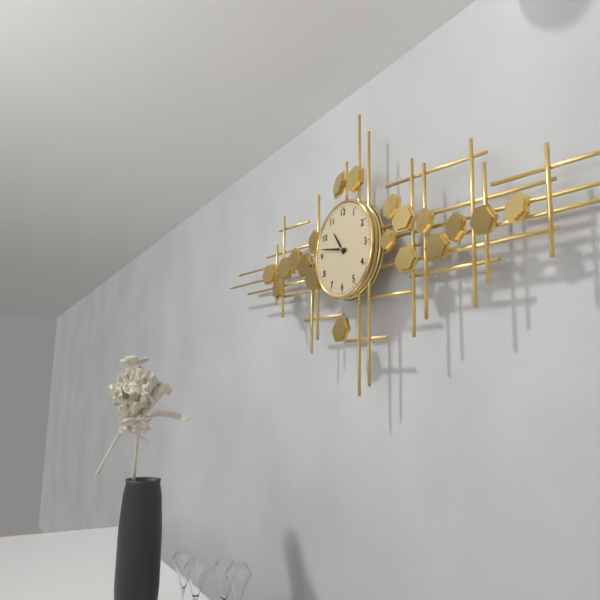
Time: {"hour": 10, "minute": 47}
